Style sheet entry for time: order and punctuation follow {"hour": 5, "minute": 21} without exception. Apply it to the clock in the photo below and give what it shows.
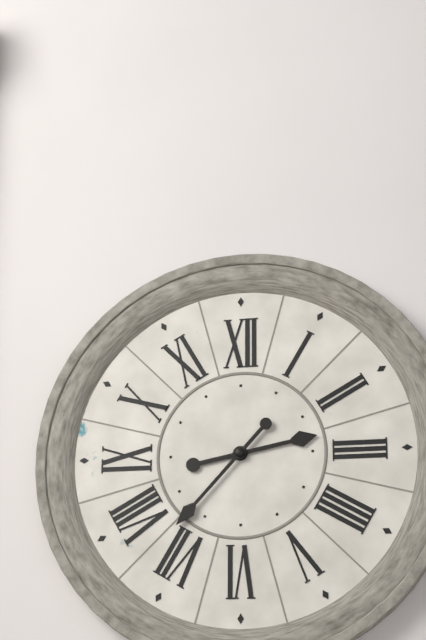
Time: {"hour": 2, "minute": 37}
